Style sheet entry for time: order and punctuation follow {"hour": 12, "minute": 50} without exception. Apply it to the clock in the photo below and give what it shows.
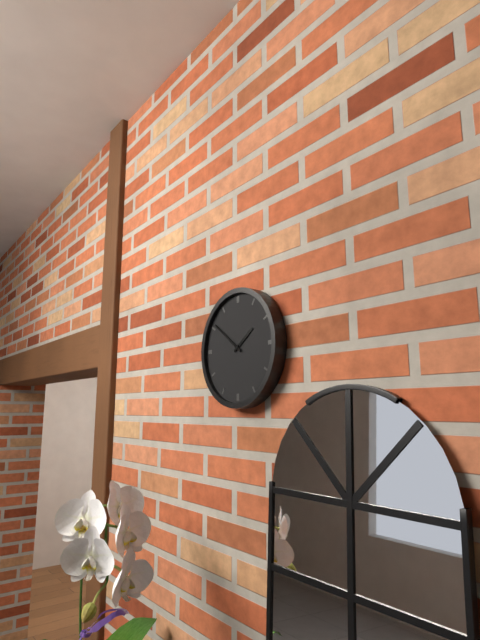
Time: {"hour": 1, "minute": 51}
